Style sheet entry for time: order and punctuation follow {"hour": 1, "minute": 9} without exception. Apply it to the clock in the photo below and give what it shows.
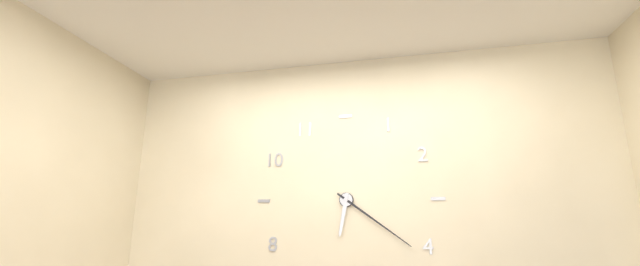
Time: {"hour": 6, "minute": 21}
